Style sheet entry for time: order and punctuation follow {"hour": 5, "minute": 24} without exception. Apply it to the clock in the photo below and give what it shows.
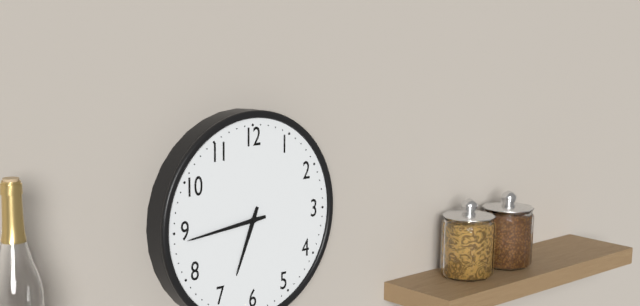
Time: {"hour": 6, "minute": 44}
